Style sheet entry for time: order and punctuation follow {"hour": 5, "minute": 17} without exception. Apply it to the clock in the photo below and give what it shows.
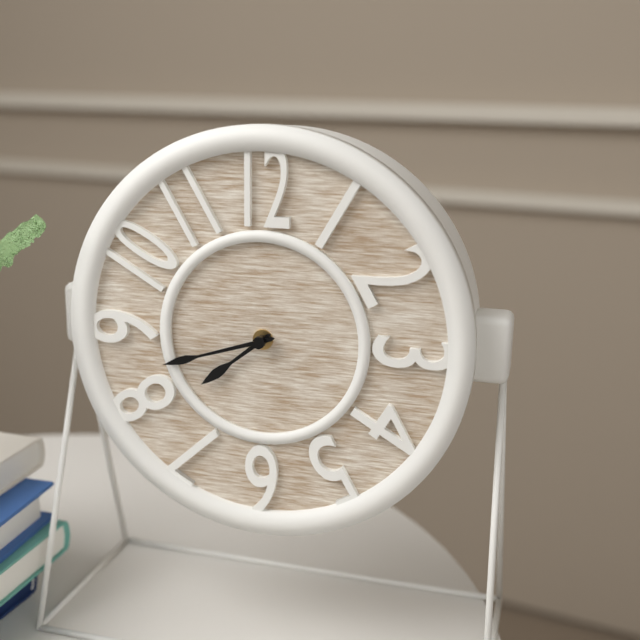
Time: {"hour": 7, "minute": 42}
